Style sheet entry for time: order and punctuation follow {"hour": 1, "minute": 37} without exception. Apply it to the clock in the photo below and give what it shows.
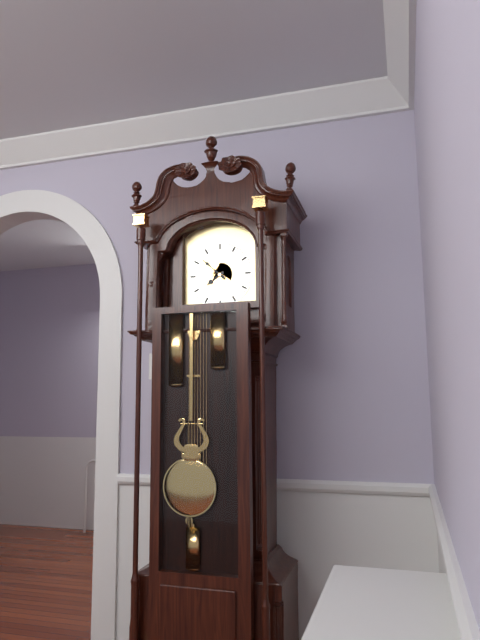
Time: {"hour": 7, "minute": 52}
